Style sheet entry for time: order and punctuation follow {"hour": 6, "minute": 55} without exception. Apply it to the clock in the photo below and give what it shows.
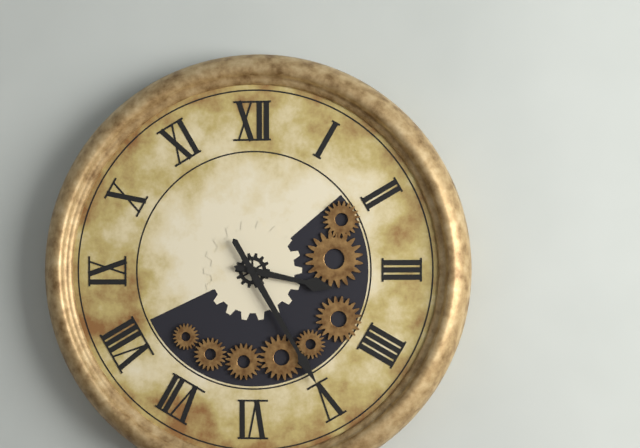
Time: {"hour": 3, "minute": 25}
